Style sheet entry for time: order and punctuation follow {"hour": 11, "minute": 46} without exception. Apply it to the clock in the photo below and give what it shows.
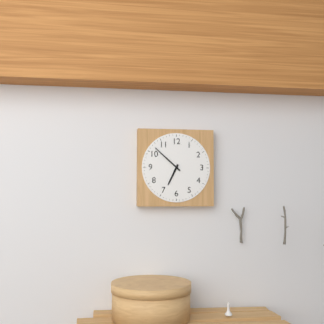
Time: {"hour": 6, "minute": 52}
